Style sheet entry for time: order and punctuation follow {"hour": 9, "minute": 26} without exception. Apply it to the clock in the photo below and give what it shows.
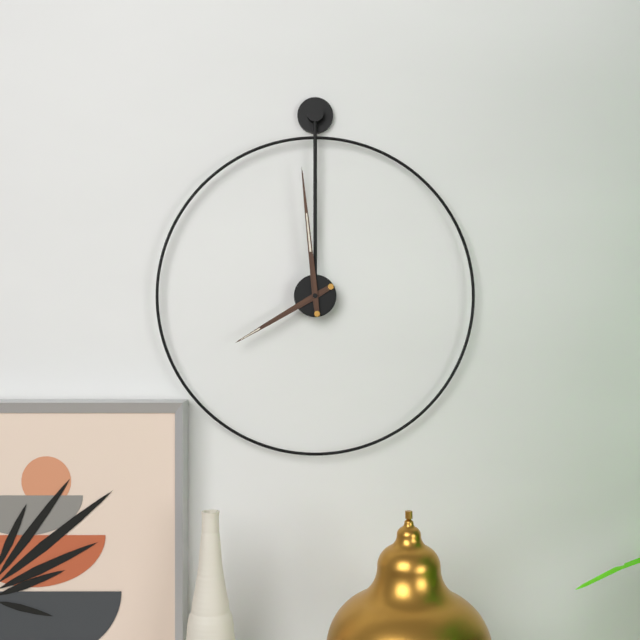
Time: {"hour": 7, "minute": 59}
